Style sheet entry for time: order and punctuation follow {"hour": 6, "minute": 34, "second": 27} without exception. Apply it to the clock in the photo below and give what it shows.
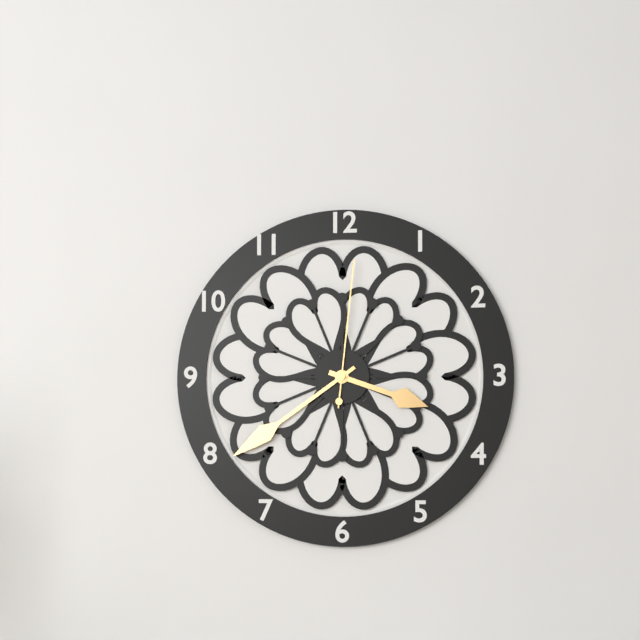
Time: {"hour": 3, "minute": 39, "second": 1}
